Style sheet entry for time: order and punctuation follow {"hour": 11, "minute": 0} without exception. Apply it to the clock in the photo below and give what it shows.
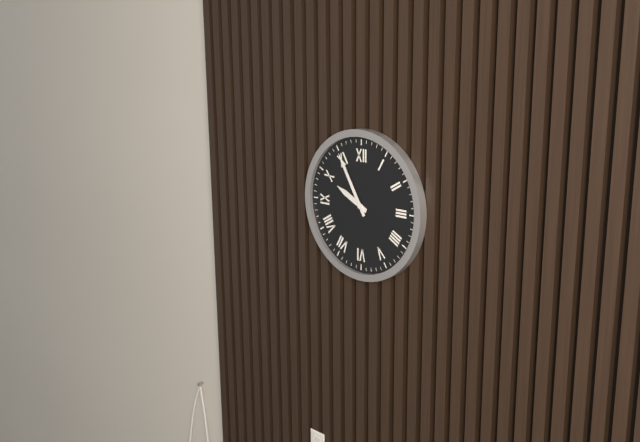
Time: {"hour": 9, "minute": 55}
